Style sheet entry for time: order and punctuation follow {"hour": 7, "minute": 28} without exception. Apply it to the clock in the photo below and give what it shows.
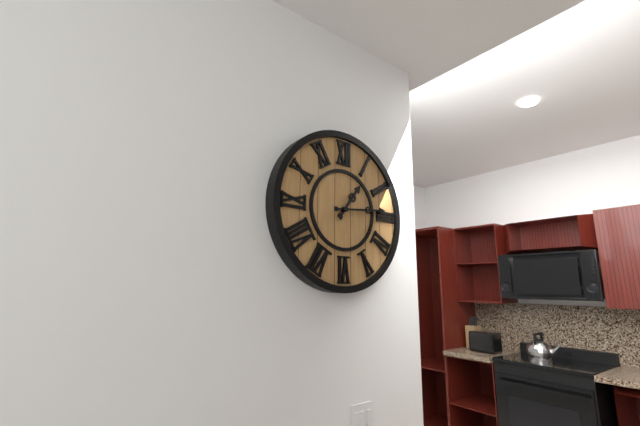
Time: {"hour": 1, "minute": 14}
